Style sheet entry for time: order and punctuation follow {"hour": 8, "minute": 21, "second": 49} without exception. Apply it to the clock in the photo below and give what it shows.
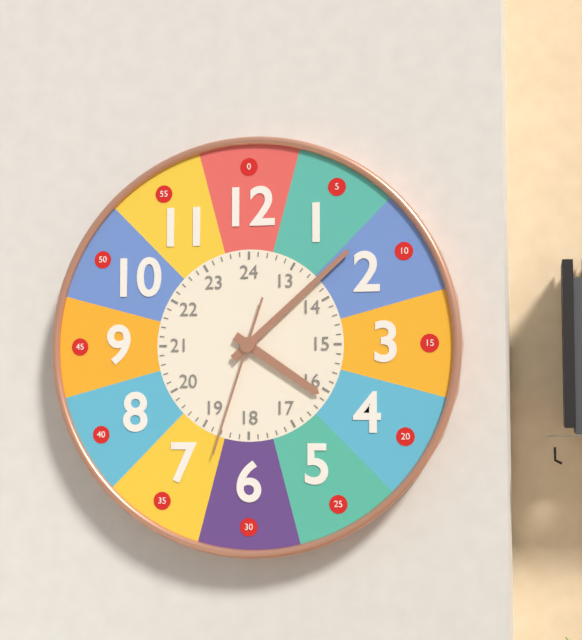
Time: {"hour": 4, "minute": 8, "second": 33}
